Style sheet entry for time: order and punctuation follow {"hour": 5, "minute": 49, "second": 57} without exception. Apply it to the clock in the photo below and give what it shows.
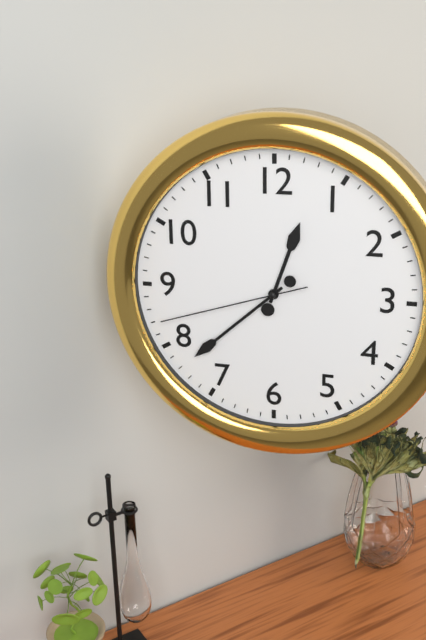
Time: {"hour": 12, "minute": 38, "second": 42}
